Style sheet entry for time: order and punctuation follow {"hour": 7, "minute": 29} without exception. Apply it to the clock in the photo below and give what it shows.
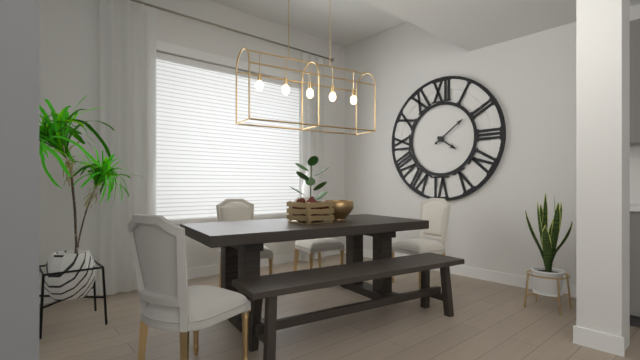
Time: {"hour": 4, "minute": 9}
